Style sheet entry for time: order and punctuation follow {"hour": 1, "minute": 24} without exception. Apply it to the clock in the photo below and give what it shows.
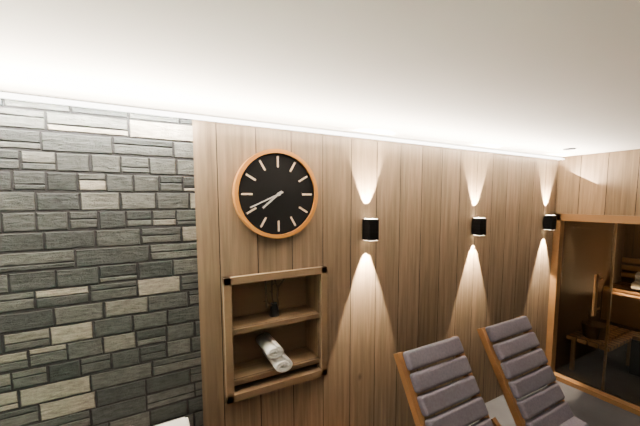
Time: {"hour": 7, "minute": 41}
